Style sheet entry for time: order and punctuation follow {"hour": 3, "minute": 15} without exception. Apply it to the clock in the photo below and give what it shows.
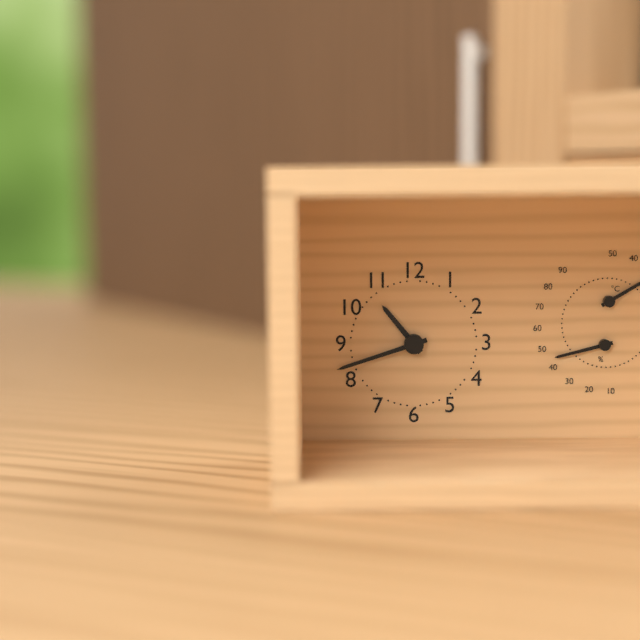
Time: {"hour": 10, "minute": 42}
